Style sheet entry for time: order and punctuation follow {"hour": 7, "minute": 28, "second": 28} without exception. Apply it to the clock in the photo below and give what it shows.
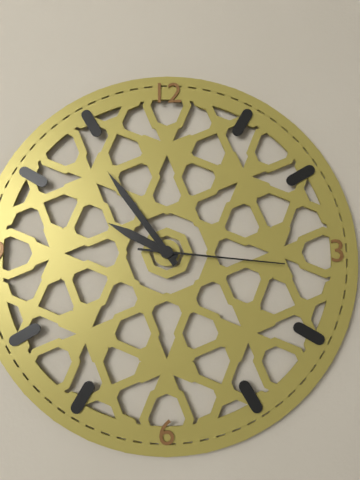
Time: {"hour": 9, "minute": 54, "second": 16}
